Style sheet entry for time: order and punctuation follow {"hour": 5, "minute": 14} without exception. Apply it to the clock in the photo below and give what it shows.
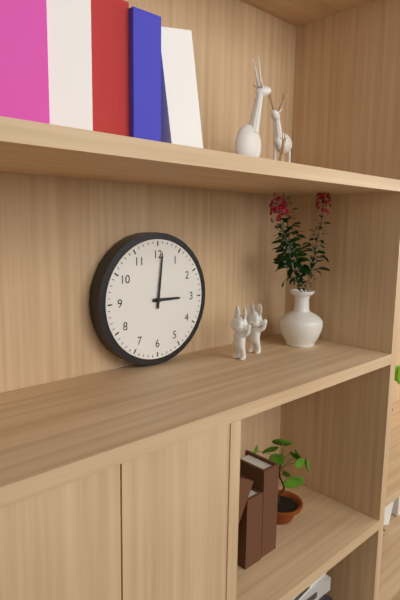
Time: {"hour": 3, "minute": 1}
